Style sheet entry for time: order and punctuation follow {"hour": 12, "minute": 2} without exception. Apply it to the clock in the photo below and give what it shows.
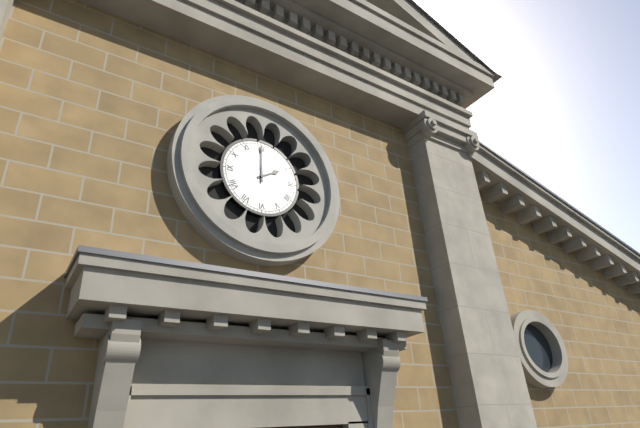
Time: {"hour": 2, "minute": 0}
